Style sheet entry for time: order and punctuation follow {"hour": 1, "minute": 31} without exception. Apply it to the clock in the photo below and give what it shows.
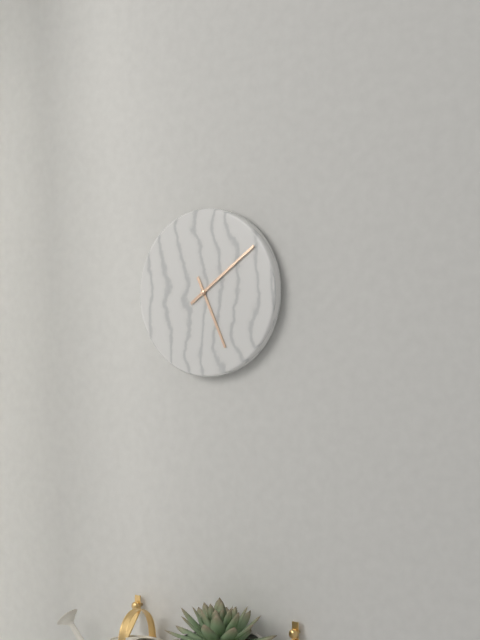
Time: {"hour": 5, "minute": 9}
